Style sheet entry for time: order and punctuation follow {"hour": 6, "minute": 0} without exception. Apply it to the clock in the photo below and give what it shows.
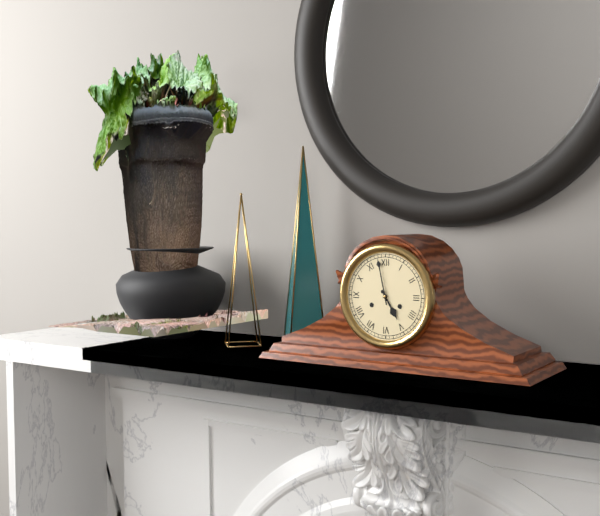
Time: {"hour": 4, "minute": 58}
